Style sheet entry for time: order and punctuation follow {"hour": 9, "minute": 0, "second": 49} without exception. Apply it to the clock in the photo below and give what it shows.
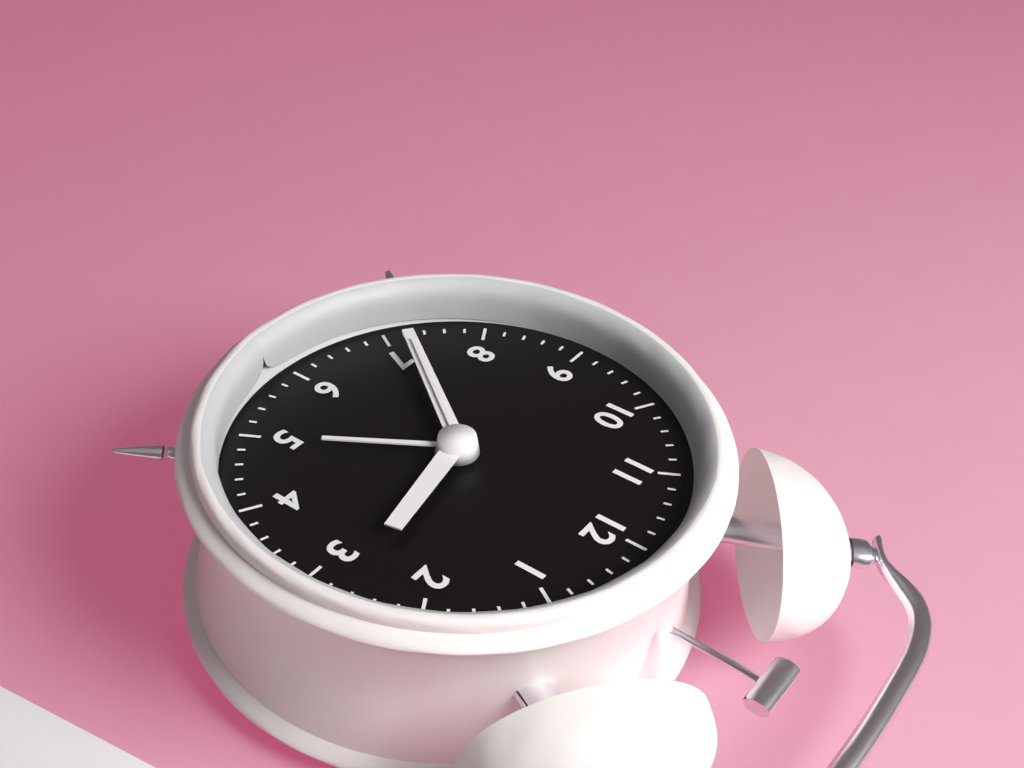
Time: {"hour": 2, "minute": 36, "second": 36}
